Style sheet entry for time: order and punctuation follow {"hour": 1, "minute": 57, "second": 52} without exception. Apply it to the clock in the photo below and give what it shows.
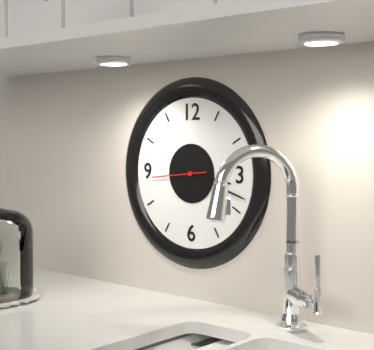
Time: {"hour": 3, "minute": 18, "second": 44}
